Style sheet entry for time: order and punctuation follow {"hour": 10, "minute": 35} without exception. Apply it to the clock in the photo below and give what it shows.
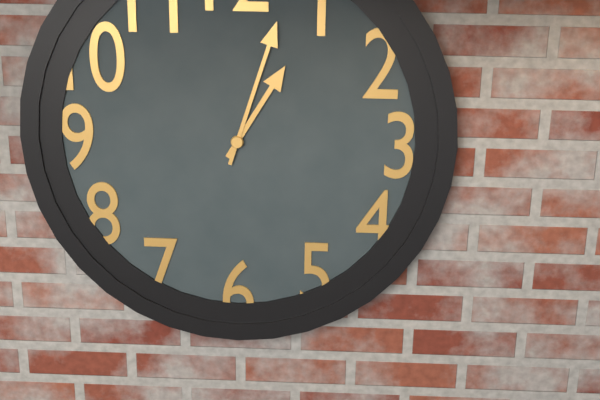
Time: {"hour": 1, "minute": 3}
